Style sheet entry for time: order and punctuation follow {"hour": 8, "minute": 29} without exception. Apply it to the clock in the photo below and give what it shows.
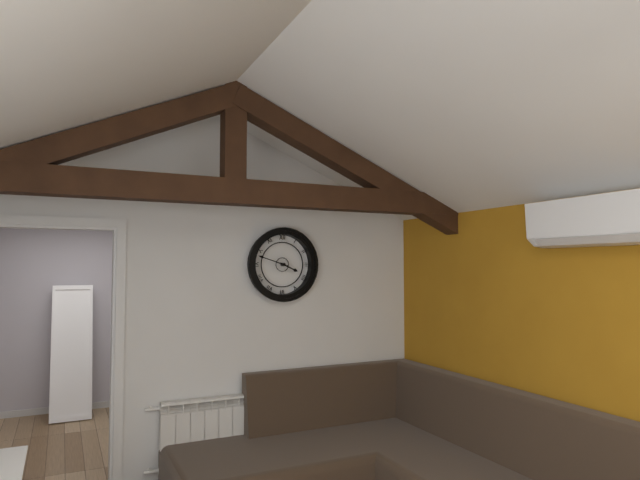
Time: {"hour": 3, "minute": 48}
